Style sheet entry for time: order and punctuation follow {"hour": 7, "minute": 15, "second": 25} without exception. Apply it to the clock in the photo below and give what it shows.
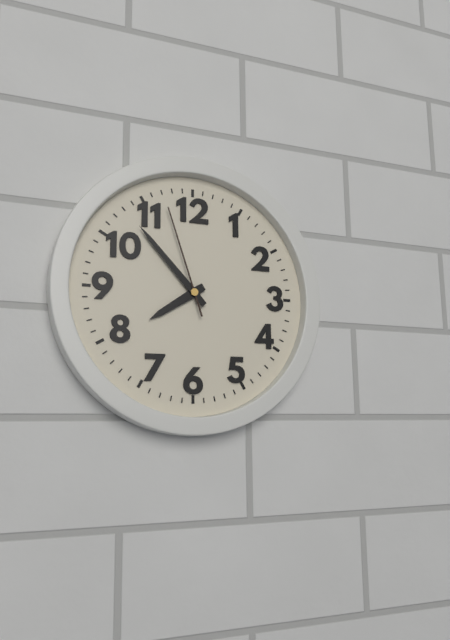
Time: {"hour": 7, "minute": 53, "second": 57}
